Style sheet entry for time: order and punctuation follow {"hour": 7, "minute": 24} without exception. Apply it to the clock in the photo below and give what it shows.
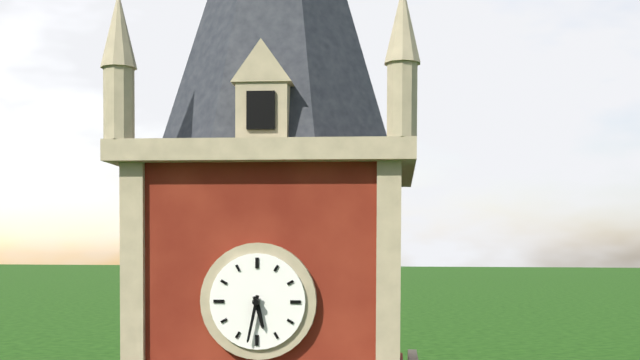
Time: {"hour": 5, "minute": 32}
